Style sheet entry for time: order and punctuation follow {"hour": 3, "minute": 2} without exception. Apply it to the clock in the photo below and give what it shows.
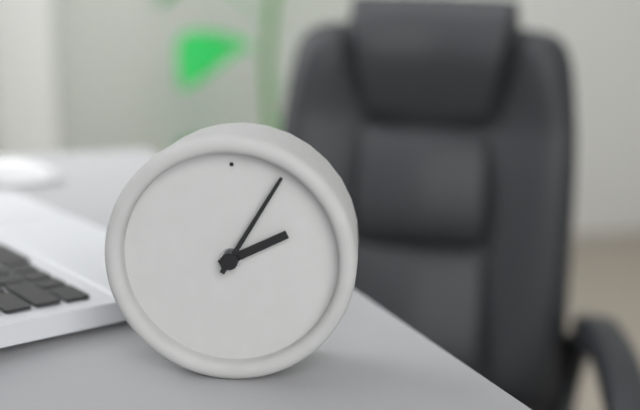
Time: {"hour": 2, "minute": 5}
